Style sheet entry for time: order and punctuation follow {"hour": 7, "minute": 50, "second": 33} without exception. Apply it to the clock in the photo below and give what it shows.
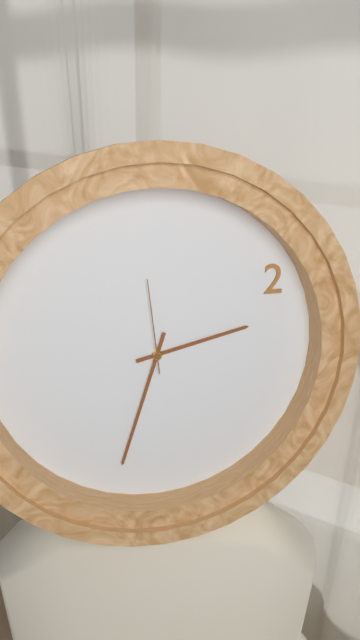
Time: {"hour": 2, "minute": 33, "second": 59}
